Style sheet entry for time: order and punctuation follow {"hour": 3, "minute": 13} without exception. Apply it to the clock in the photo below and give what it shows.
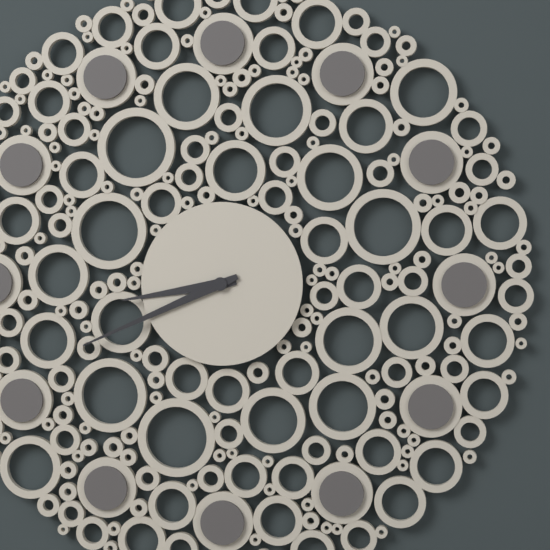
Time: {"hour": 8, "minute": 41}
